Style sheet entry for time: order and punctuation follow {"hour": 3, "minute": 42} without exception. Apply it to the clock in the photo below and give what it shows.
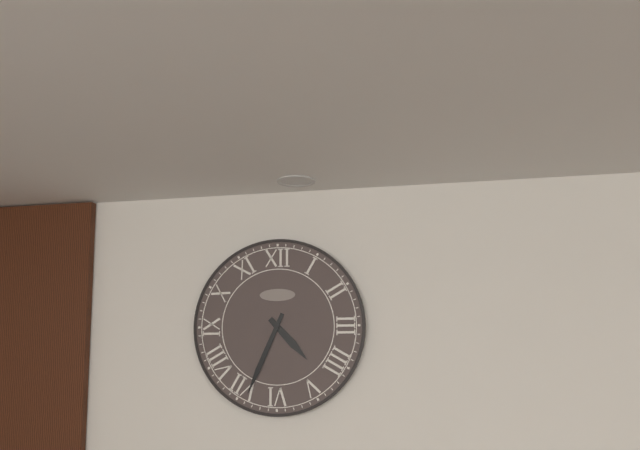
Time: {"hour": 4, "minute": 34}
